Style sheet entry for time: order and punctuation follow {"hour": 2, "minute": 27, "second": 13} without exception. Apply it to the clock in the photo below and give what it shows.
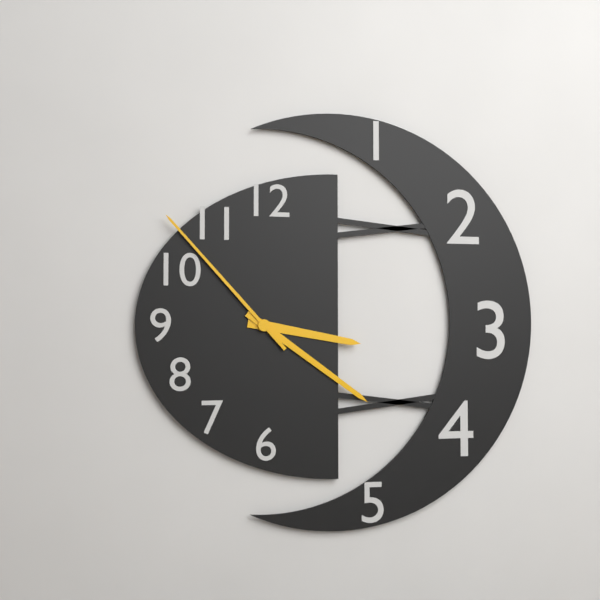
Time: {"hour": 3, "minute": 21, "second": 53}
